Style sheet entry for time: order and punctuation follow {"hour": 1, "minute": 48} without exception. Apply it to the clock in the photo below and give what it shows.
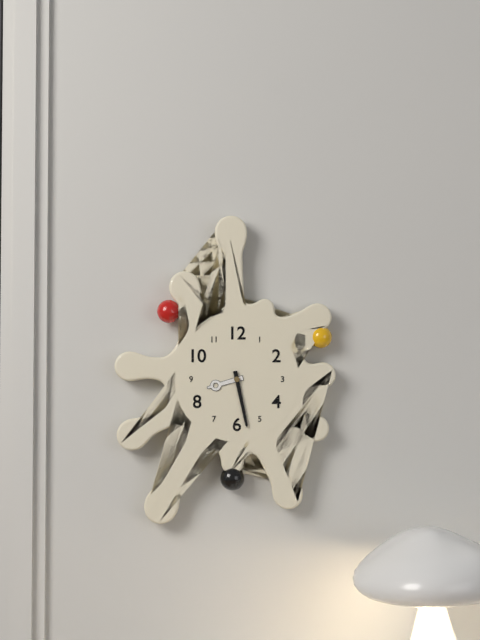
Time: {"hour": 8, "minute": 28}
